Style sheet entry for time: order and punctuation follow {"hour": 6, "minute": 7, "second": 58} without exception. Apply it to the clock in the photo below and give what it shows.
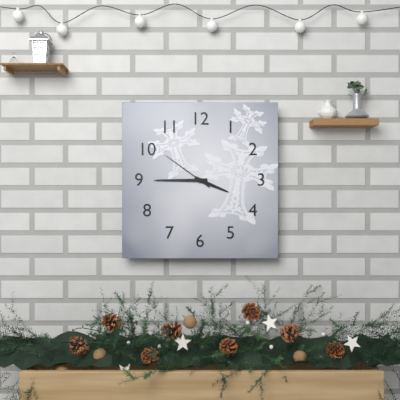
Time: {"hour": 3, "minute": 45, "second": 51}
